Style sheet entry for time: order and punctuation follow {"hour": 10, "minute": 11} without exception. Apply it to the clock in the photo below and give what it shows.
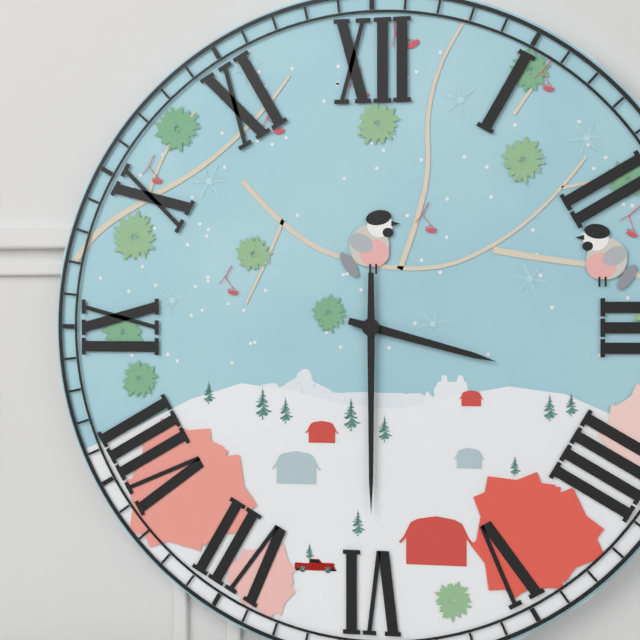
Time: {"hour": 3, "minute": 30}
